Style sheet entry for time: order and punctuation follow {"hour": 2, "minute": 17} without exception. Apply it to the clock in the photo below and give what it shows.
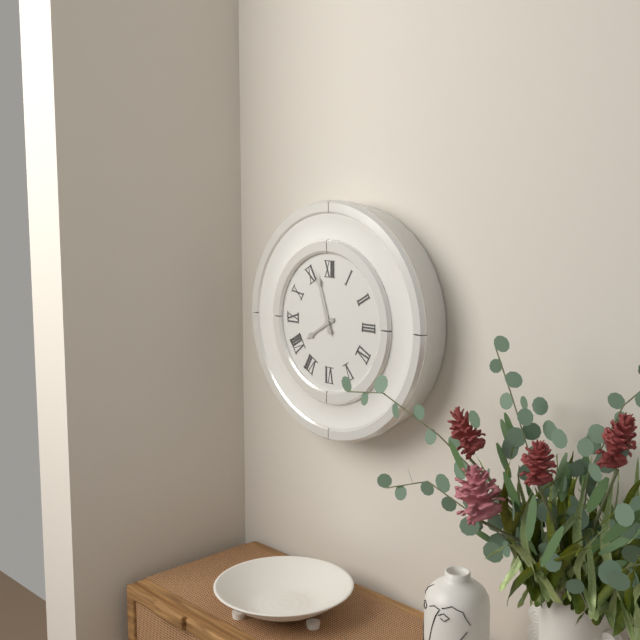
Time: {"hour": 7, "minute": 57}
